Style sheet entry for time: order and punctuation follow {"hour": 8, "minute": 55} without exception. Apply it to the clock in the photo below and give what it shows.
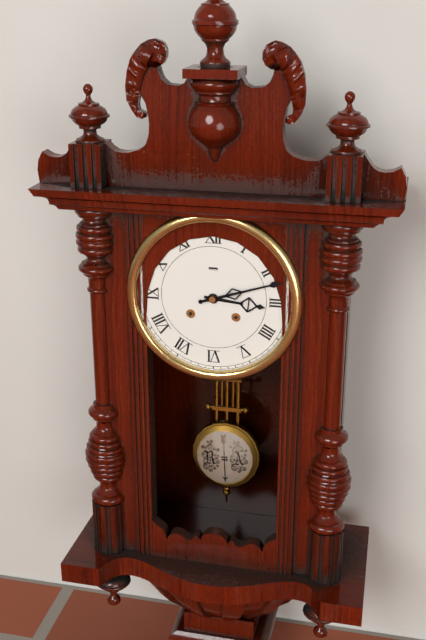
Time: {"hour": 3, "minute": 12}
